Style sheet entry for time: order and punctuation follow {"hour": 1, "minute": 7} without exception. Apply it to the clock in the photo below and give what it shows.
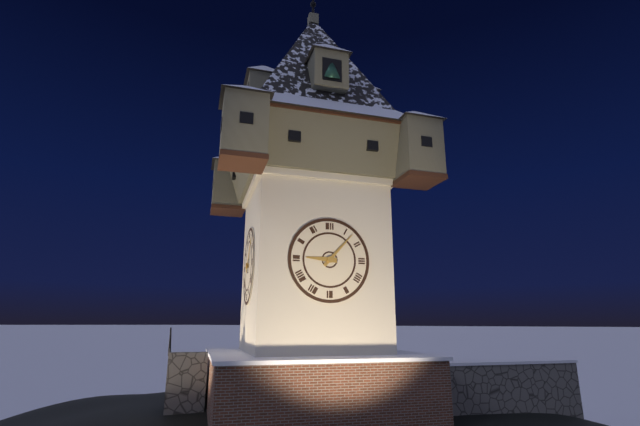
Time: {"hour": 9, "minute": 7}
